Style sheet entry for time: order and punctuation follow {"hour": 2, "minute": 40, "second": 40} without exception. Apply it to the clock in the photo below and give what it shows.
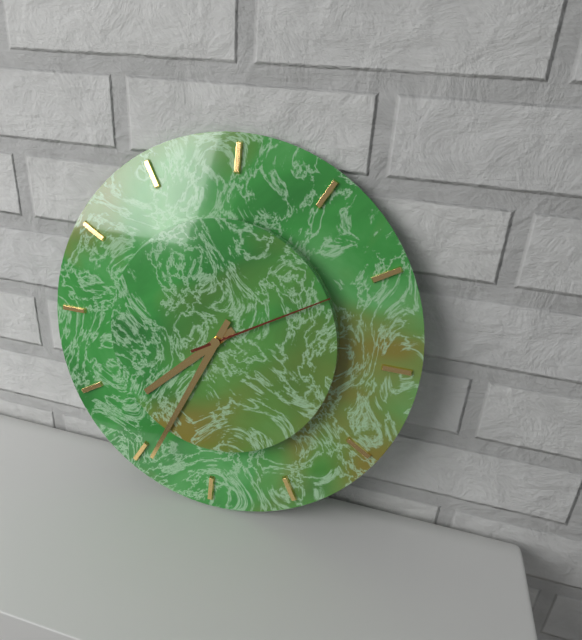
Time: {"hour": 7, "minute": 34, "second": 10}
